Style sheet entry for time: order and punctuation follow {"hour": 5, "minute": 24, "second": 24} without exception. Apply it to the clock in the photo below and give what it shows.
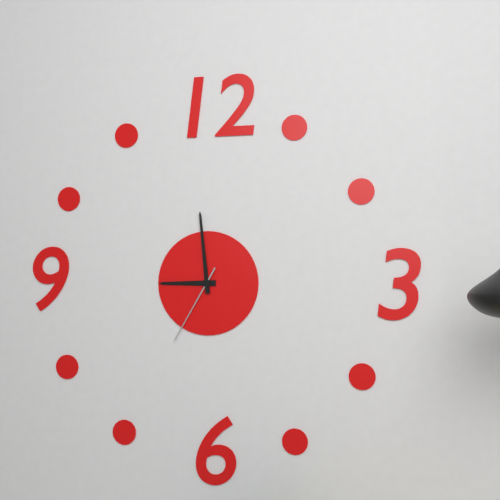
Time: {"hour": 8, "minute": 59, "second": 35}
